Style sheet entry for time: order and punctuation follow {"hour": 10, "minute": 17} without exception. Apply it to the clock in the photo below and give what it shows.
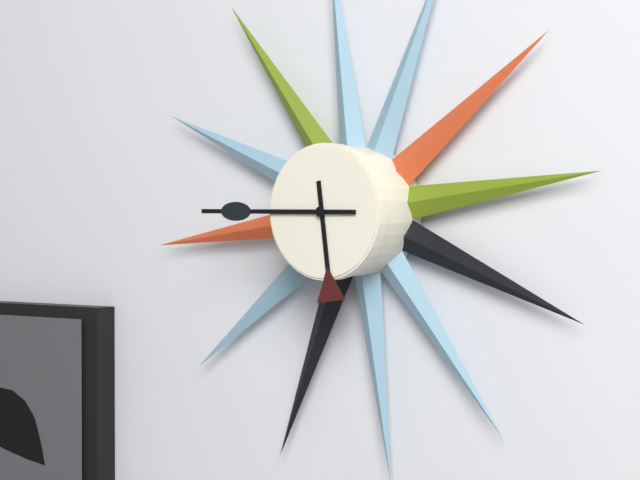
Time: {"hour": 5, "minute": 45}
